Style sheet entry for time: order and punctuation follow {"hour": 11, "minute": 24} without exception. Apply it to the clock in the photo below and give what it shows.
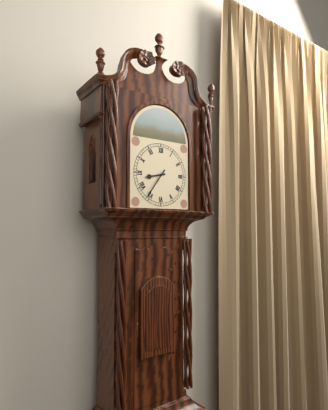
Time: {"hour": 8, "minute": 36}
